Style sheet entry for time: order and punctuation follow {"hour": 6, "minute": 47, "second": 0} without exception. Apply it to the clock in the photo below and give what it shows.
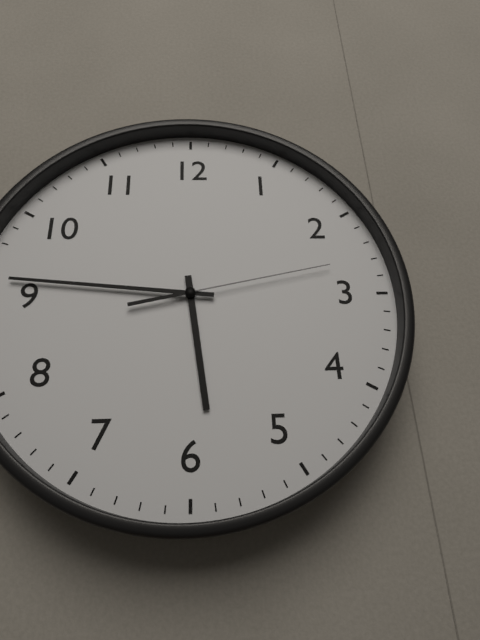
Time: {"hour": 5, "minute": 46, "second": 13}
